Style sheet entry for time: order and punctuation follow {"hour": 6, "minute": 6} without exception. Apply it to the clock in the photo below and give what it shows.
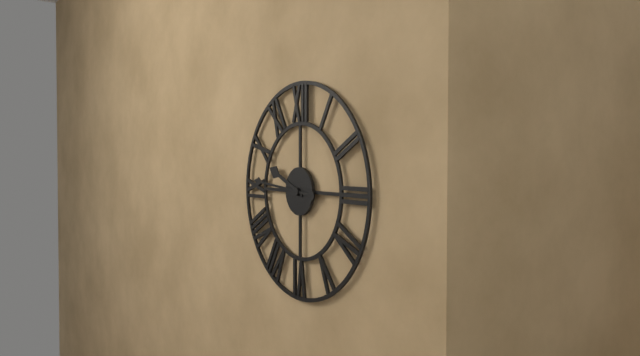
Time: {"hour": 9, "minute": 46}
